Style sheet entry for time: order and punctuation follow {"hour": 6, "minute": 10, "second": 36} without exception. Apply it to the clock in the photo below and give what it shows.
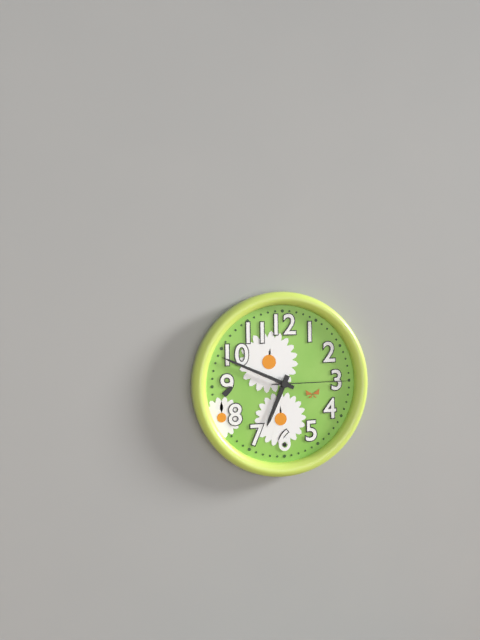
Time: {"hour": 6, "minute": 49, "second": 15}
